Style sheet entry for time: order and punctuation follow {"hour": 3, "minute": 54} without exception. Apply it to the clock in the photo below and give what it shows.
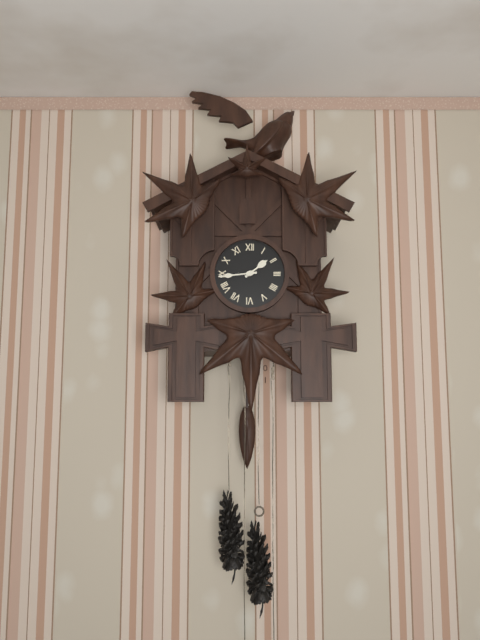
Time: {"hour": 1, "minute": 44}
